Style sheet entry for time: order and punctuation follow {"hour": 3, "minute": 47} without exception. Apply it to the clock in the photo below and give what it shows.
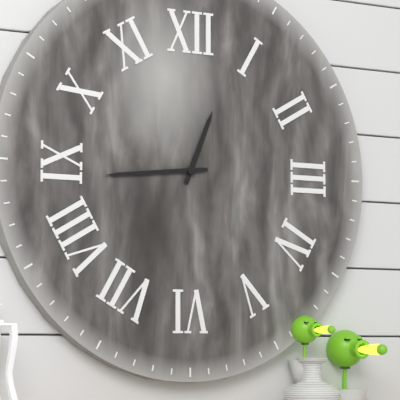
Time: {"hour": 12, "minute": 44}
